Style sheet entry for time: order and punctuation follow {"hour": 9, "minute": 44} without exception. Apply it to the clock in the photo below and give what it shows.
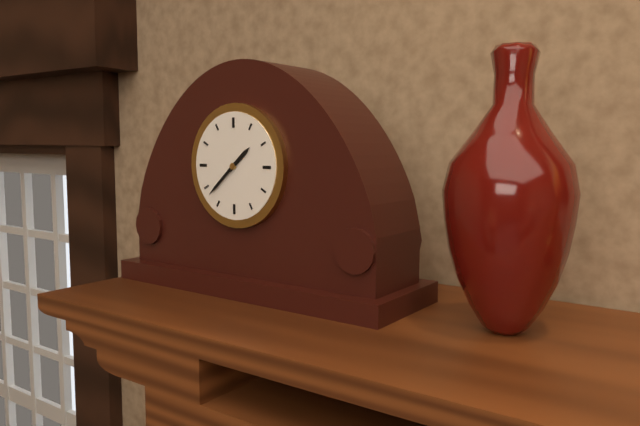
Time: {"hour": 1, "minute": 38}
